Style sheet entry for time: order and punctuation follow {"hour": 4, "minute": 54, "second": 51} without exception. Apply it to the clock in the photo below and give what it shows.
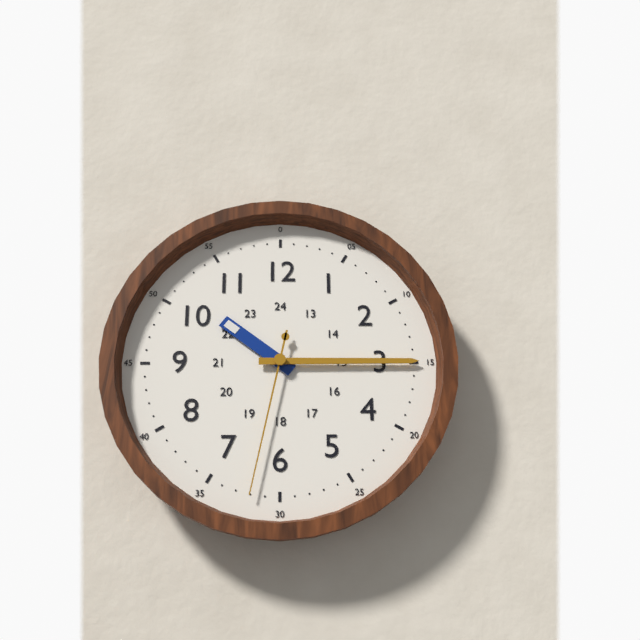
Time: {"hour": 10, "minute": 15, "second": 32}
